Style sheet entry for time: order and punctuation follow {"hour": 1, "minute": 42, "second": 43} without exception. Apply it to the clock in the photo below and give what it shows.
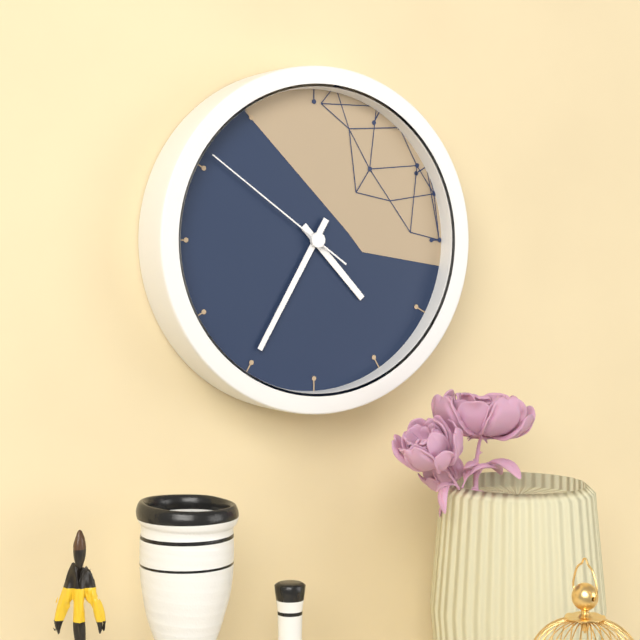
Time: {"hour": 4, "minute": 35, "second": 51}
